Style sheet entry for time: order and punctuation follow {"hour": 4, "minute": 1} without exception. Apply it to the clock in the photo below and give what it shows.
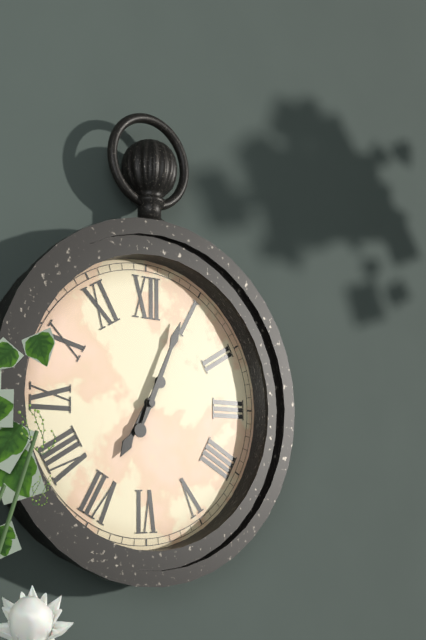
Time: {"hour": 7, "minute": 4}
